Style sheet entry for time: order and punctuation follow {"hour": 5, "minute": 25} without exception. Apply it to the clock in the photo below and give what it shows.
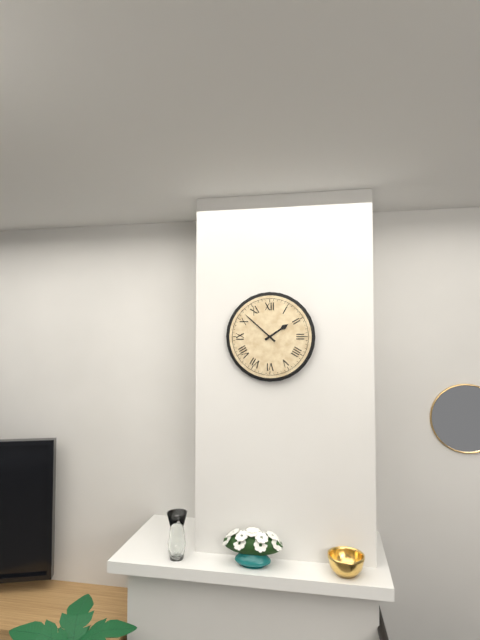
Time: {"hour": 1, "minute": 52}
